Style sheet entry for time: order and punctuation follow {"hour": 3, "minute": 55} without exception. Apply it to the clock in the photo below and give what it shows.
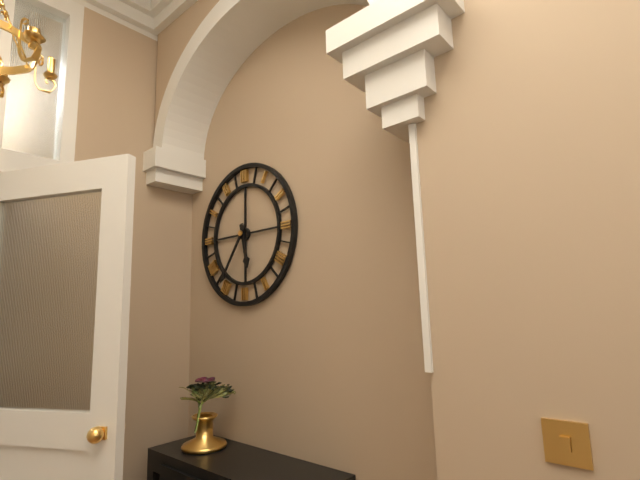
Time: {"hour": 5, "minute": 36}
